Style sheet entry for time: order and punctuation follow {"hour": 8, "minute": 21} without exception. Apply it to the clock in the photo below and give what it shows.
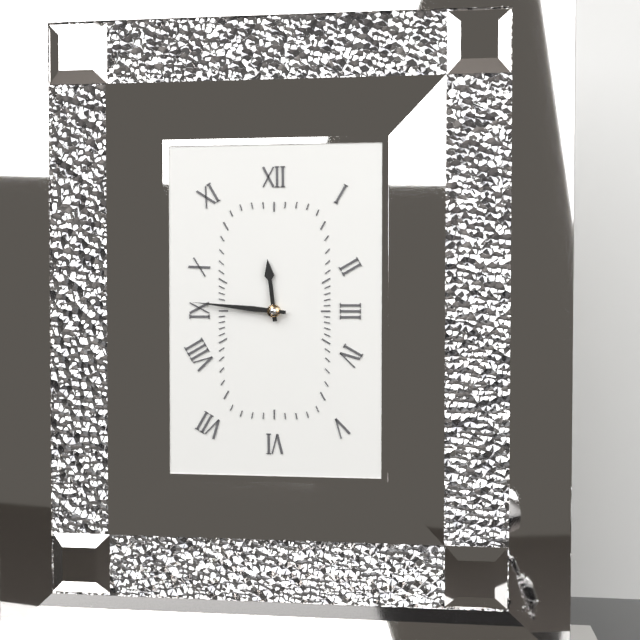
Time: {"hour": 11, "minute": 46}
